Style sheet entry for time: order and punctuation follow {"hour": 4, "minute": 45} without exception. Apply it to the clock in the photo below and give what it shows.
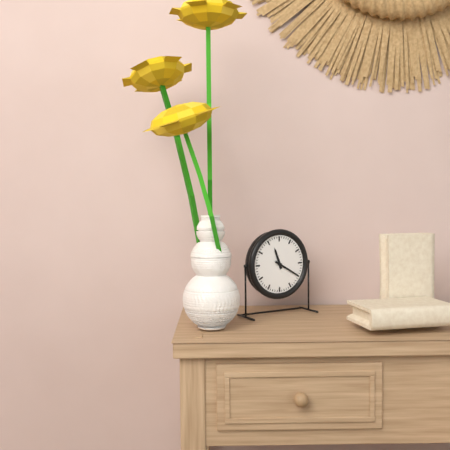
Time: {"hour": 11, "minute": 20}
